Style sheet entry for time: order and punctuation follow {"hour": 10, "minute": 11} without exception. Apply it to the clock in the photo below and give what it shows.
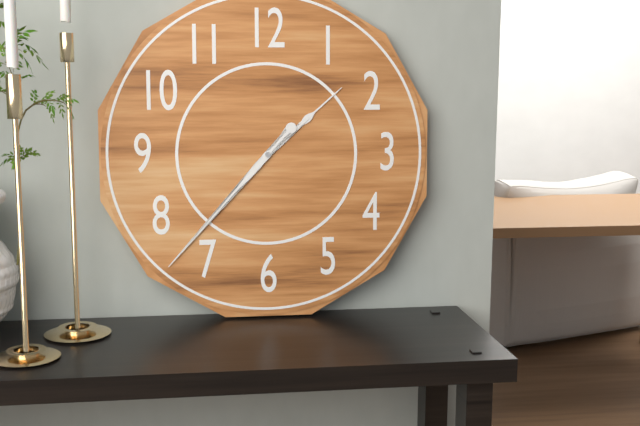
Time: {"hour": 1, "minute": 37}
